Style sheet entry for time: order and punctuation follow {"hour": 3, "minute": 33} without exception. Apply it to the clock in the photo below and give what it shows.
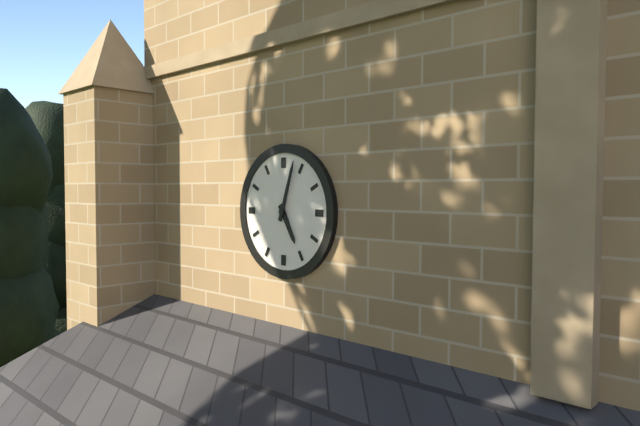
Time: {"hour": 5, "minute": 3}
